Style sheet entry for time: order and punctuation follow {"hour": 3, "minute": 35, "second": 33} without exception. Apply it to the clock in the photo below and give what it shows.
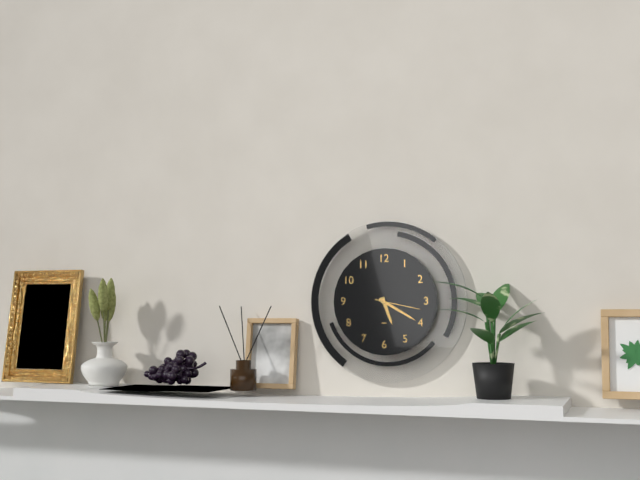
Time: {"hour": 5, "minute": 20, "second": 17}
